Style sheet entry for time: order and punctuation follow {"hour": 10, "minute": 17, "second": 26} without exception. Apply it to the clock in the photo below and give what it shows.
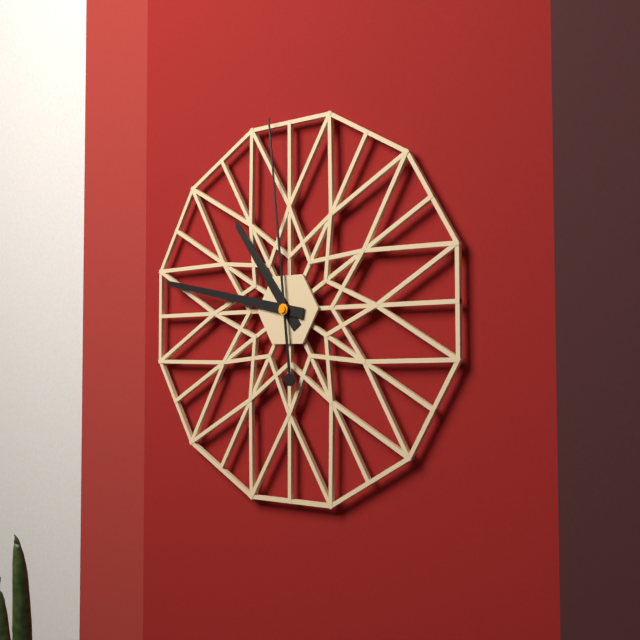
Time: {"hour": 10, "minute": 47, "second": 59}
